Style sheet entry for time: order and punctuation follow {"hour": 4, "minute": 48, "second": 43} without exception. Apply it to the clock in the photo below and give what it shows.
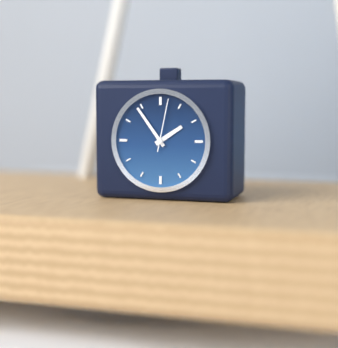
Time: {"hour": 1, "minute": 54, "second": 2}
